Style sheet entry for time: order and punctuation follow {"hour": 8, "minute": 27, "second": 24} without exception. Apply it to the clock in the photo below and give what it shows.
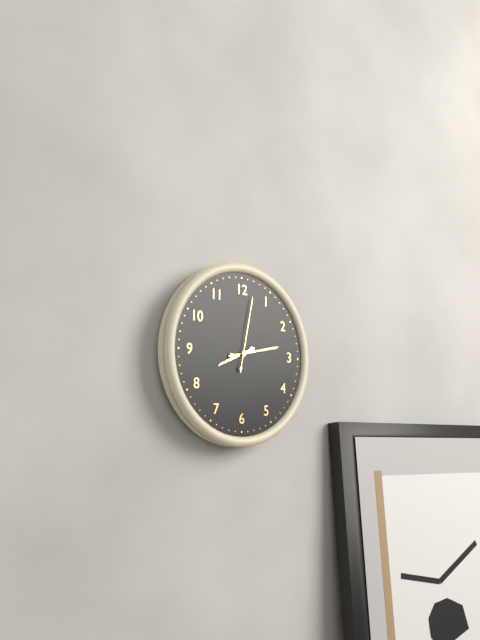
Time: {"hour": 8, "minute": 13, "second": 2}
